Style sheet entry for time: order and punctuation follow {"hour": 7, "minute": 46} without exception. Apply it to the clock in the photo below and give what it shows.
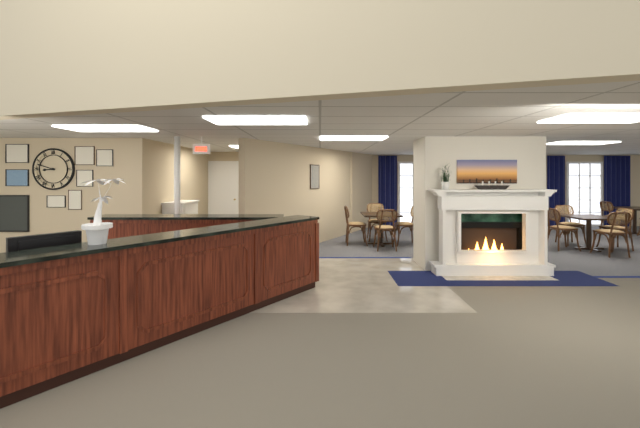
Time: {"hour": 8, "minute": 48}
